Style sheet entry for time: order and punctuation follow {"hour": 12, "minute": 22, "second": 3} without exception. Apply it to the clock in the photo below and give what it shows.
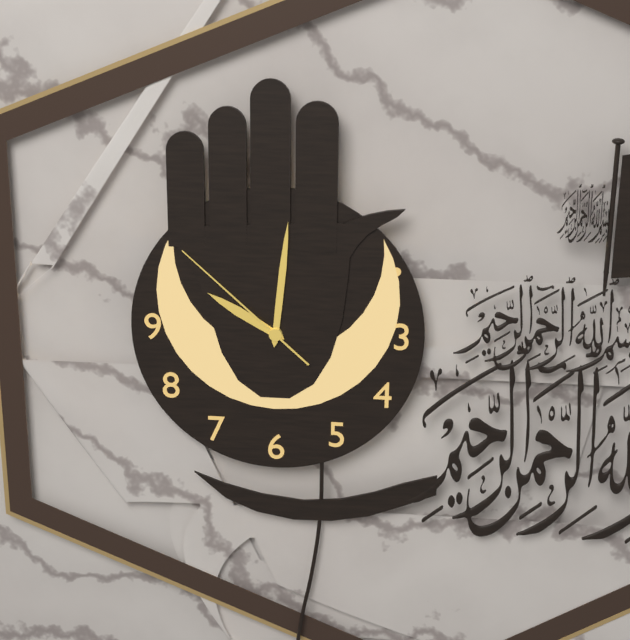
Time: {"hour": 10, "minute": 1, "second": 52}
